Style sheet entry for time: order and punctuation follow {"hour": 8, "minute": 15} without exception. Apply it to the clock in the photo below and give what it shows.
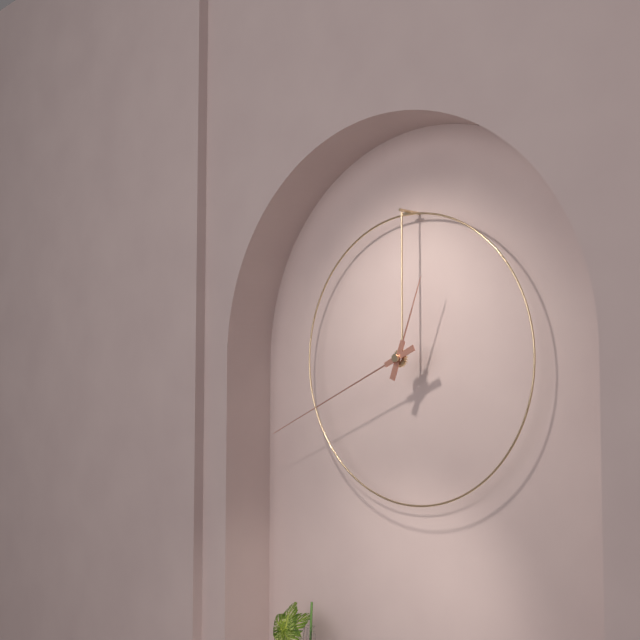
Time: {"hour": 12, "minute": 41}
